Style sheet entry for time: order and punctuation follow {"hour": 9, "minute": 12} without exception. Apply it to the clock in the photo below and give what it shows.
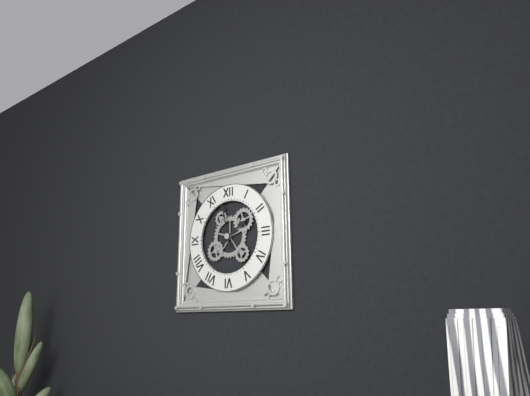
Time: {"hour": 1, "minute": 58}
